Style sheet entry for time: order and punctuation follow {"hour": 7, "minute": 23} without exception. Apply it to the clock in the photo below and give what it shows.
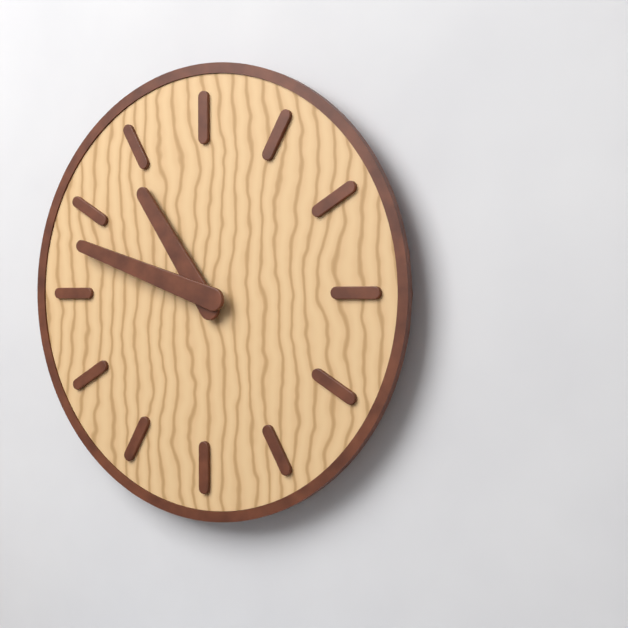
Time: {"hour": 10, "minute": 48}
